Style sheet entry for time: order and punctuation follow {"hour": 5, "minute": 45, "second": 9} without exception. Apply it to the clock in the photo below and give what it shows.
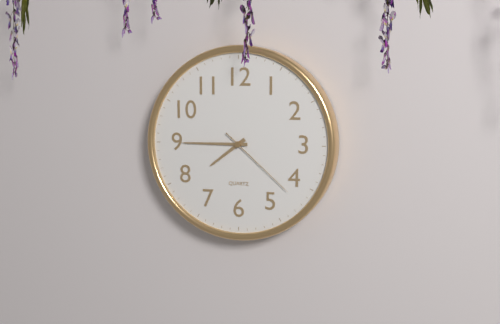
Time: {"hour": 7, "minute": 45, "second": 22}
